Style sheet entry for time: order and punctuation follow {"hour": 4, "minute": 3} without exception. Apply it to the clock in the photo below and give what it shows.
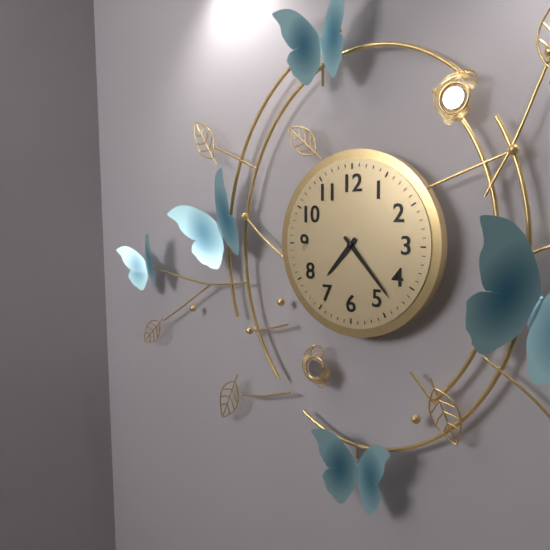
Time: {"hour": 7, "minute": 23}
